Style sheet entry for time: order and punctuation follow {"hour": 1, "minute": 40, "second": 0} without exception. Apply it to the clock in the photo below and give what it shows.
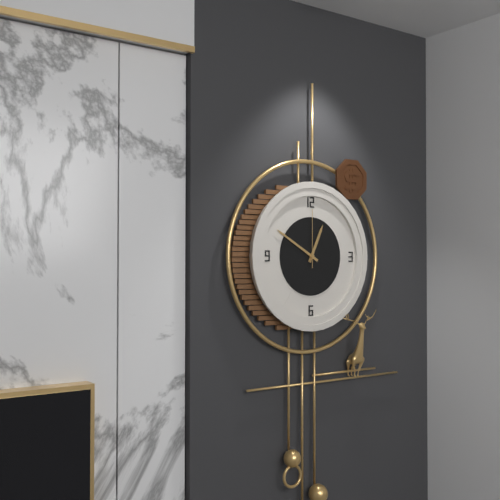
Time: {"hour": 12, "minute": 50, "second": 0}
